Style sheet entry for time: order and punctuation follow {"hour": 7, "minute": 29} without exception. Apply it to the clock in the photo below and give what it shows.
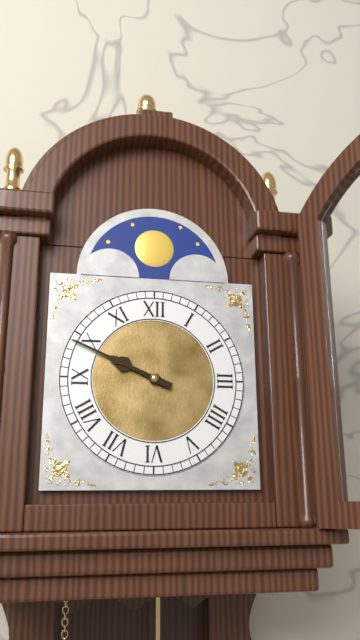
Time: {"hour": 9, "minute": 49}
